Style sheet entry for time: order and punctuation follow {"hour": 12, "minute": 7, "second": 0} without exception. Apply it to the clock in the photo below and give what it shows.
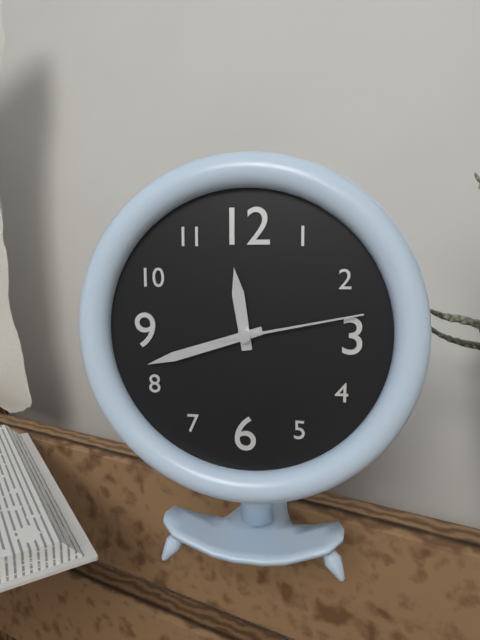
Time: {"hour": 11, "minute": 42, "second": 13}
